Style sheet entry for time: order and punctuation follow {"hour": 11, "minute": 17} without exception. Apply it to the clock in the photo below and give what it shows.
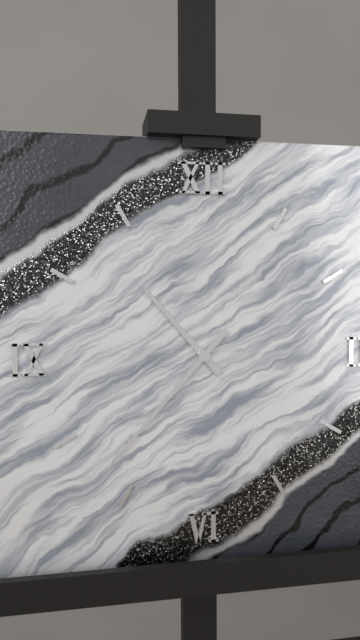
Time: {"hour": 10, "minute": 37}
